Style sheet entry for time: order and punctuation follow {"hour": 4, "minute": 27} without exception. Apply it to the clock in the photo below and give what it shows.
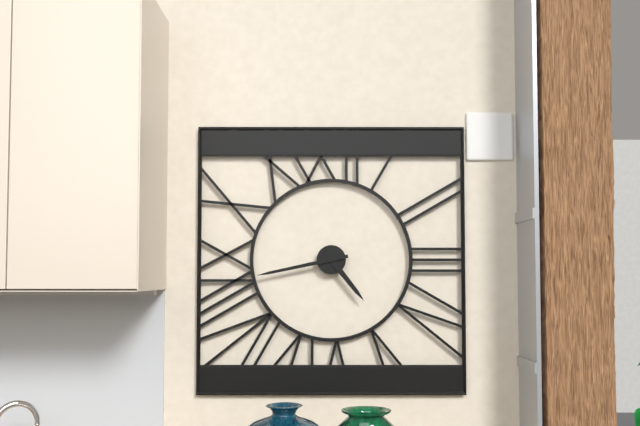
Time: {"hour": 4, "minute": 43}
